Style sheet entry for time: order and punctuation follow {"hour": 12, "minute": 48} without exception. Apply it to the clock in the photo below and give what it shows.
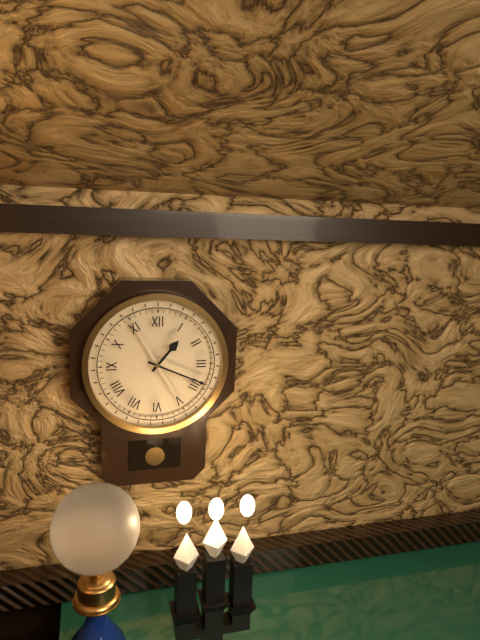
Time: {"hour": 1, "minute": 19}
